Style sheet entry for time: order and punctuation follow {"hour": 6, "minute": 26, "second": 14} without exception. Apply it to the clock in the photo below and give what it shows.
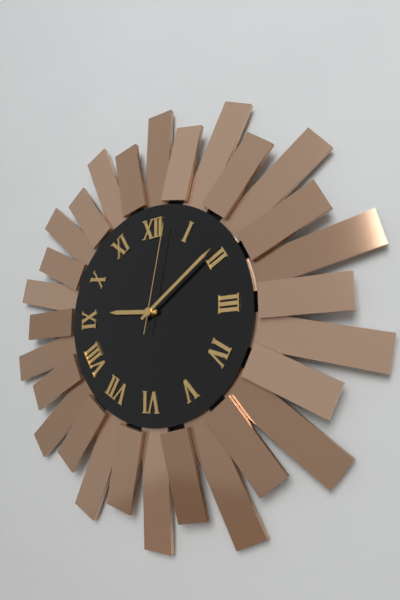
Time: {"hour": 9, "minute": 9, "second": 2}
